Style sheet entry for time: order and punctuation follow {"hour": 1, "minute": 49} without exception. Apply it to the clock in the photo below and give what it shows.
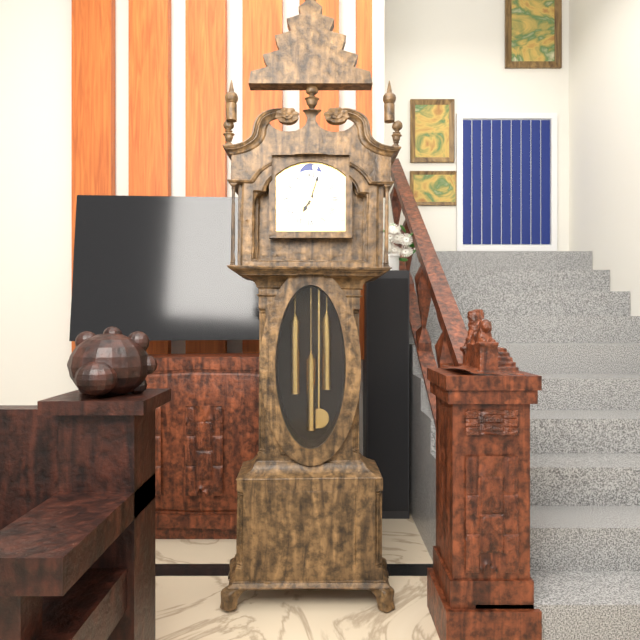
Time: {"hour": 7, "minute": 3}
